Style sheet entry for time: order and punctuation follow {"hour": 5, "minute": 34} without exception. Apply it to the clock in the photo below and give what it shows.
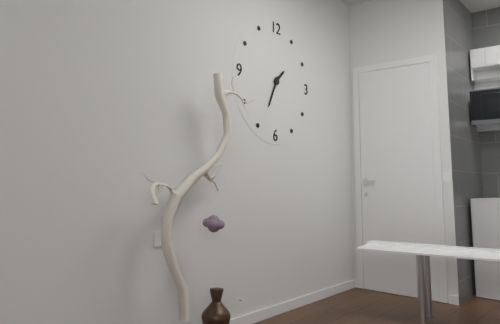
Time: {"hour": 1, "minute": 34}
